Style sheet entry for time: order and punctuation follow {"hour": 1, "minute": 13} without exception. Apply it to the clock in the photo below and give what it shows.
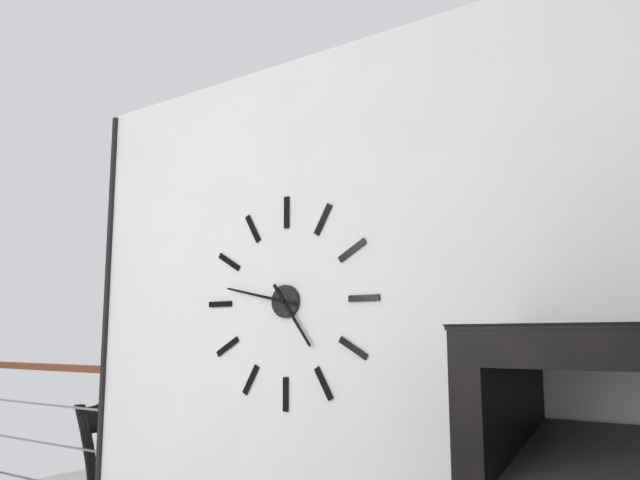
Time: {"hour": 4, "minute": 47}
